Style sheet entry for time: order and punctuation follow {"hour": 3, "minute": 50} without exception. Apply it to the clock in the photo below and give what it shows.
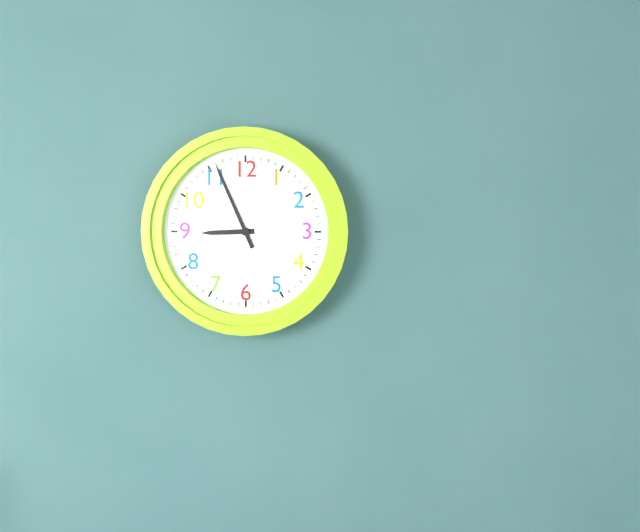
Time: {"hour": 8, "minute": 56}
